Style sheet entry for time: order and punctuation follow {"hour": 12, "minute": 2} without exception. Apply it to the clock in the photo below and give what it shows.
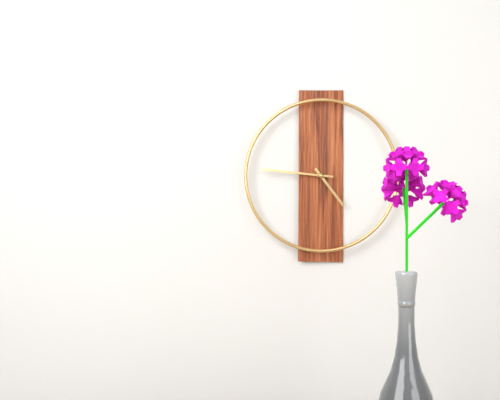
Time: {"hour": 4, "minute": 46}
